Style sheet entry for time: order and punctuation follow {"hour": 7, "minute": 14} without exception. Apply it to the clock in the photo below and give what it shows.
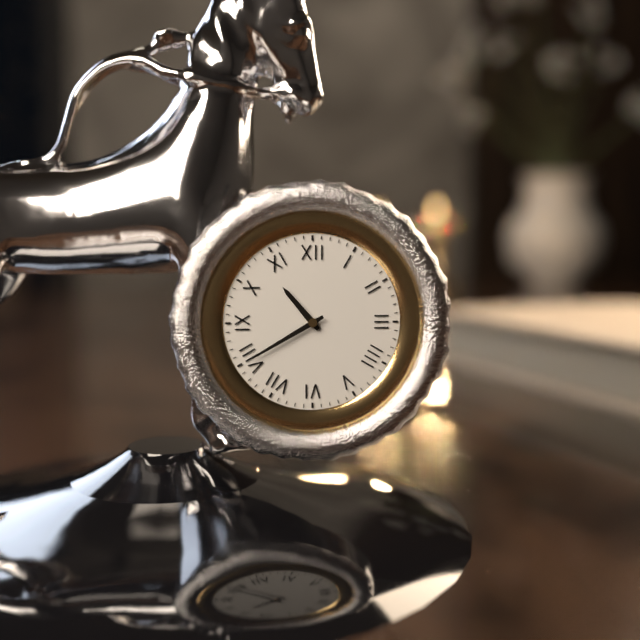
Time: {"hour": 10, "minute": 40}
